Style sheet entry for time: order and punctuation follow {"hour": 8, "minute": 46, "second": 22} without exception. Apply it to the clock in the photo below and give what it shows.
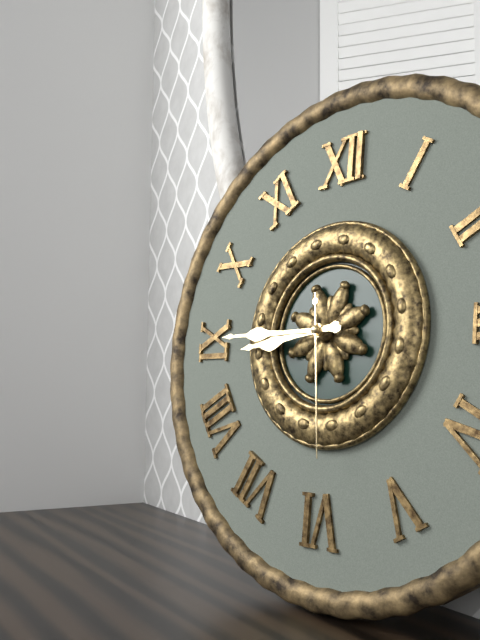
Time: {"hour": 8, "minute": 45, "second": 29}
